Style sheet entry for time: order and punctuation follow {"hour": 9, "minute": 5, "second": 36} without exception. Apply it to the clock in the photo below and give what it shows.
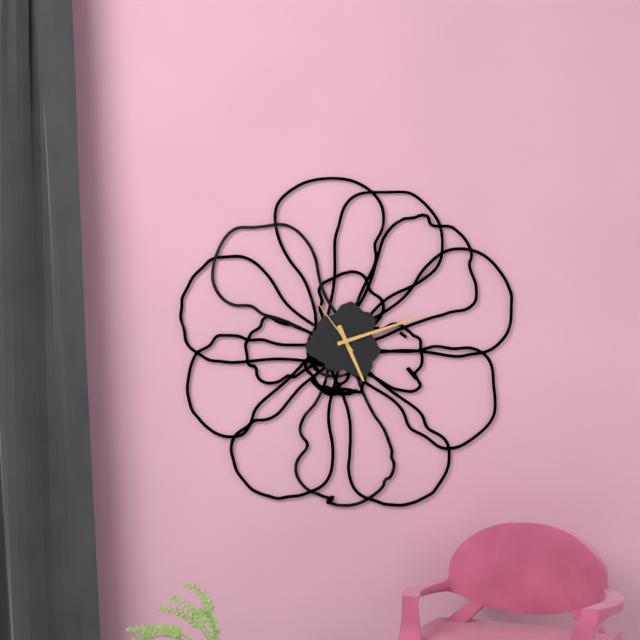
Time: {"hour": 5, "minute": 12, "second": 54}
